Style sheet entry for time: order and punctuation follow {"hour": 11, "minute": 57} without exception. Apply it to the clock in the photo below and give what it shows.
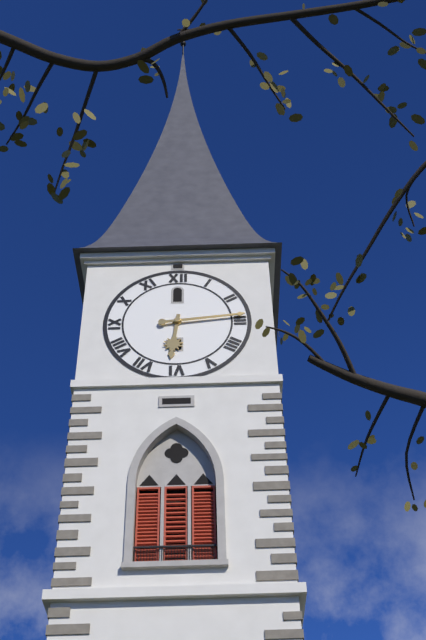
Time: {"hour": 6, "minute": 14}
